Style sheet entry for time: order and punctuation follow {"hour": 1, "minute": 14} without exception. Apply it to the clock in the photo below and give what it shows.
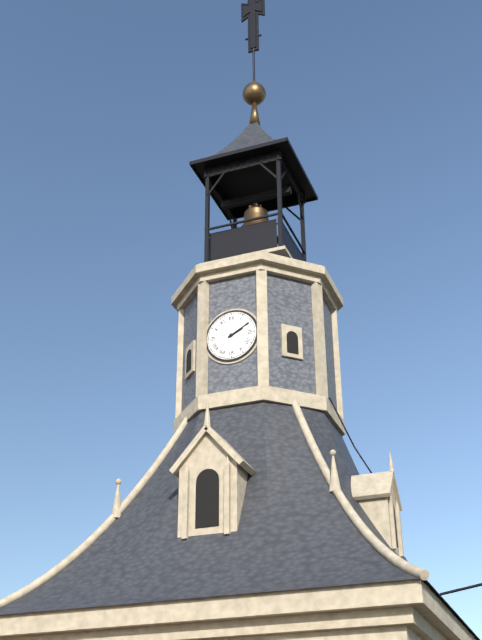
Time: {"hour": 2, "minute": 10}
